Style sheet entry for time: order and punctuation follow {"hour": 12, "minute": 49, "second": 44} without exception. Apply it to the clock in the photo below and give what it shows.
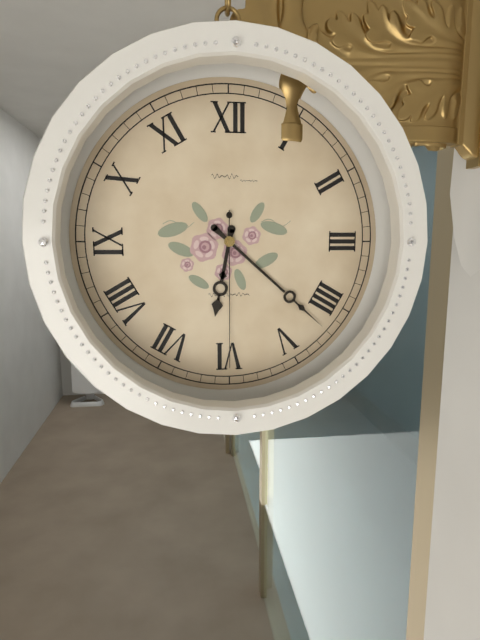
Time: {"hour": 6, "minute": 22, "second": 30}
